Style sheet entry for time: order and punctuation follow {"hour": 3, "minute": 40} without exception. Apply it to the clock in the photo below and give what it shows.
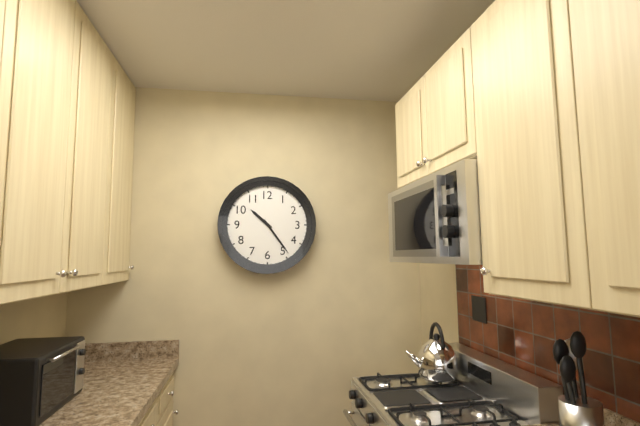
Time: {"hour": 10, "minute": 24}
